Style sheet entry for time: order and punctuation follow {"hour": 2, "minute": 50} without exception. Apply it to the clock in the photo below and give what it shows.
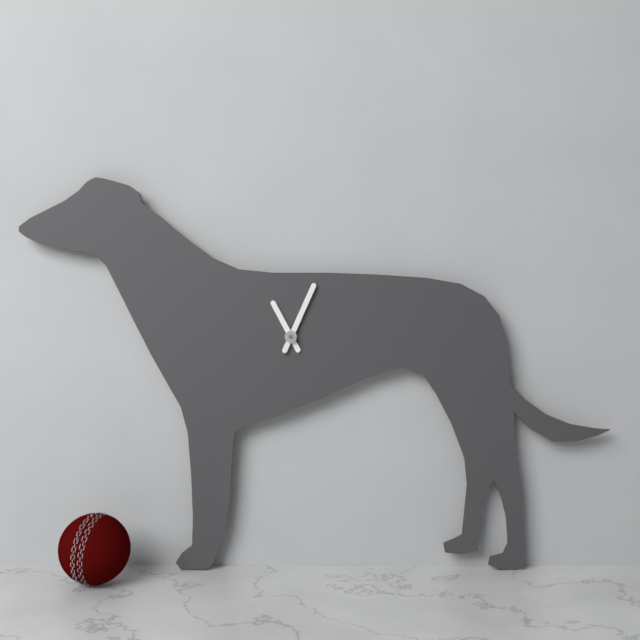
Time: {"hour": 11, "minute": 4}
